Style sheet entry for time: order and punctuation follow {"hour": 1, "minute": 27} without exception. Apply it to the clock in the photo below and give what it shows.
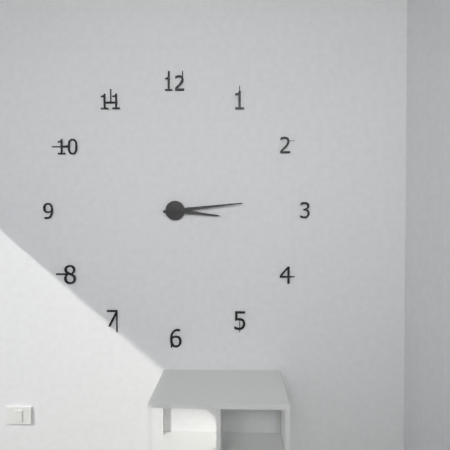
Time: {"hour": 3, "minute": 14}
